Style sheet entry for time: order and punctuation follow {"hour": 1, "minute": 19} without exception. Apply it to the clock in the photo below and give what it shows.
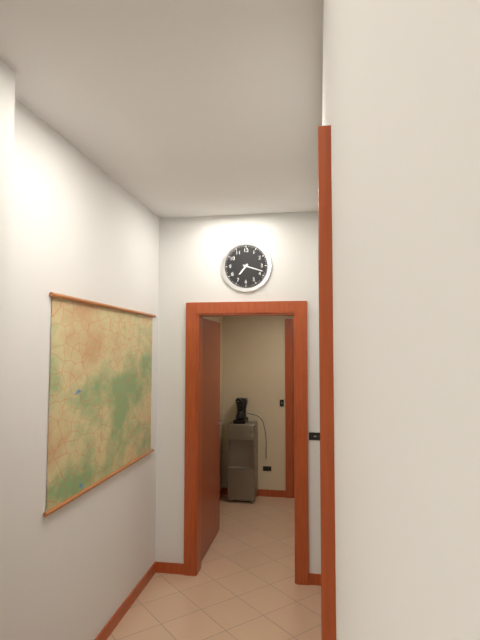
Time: {"hour": 7, "minute": 18}
